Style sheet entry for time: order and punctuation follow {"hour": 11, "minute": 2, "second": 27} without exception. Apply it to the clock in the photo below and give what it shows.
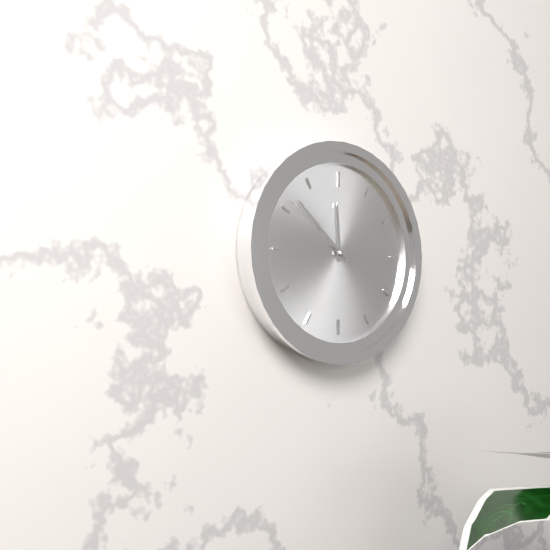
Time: {"hour": 11, "minute": 52, "second": 51}
